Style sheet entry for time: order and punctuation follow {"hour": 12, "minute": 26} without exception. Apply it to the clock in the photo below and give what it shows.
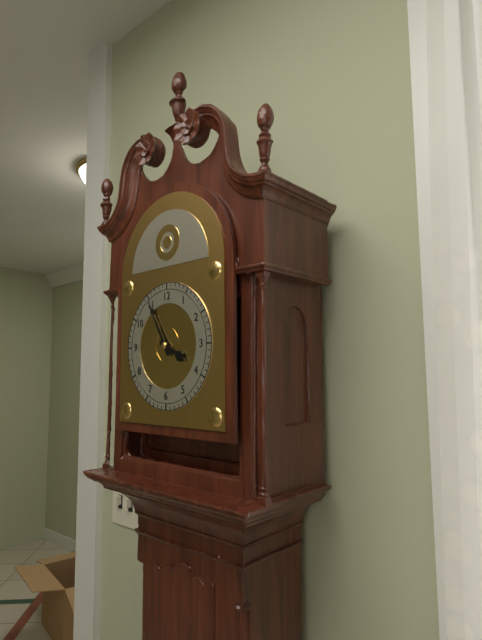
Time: {"hour": 3, "minute": 55}
